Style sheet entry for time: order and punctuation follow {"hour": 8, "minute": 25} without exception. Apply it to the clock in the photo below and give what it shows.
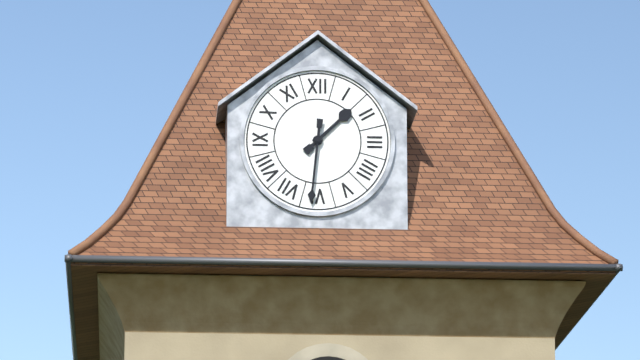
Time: {"hour": 1, "minute": 31}
